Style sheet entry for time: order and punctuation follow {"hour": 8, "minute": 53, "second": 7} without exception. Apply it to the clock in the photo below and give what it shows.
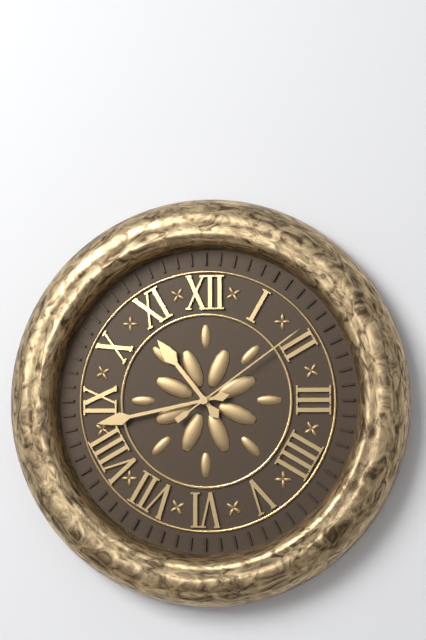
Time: {"hour": 10, "minute": 43, "second": 9}
